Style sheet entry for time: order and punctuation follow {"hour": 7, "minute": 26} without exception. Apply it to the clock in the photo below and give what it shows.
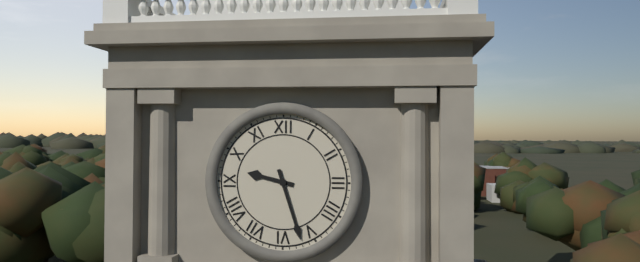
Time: {"hour": 9, "minute": 27}
